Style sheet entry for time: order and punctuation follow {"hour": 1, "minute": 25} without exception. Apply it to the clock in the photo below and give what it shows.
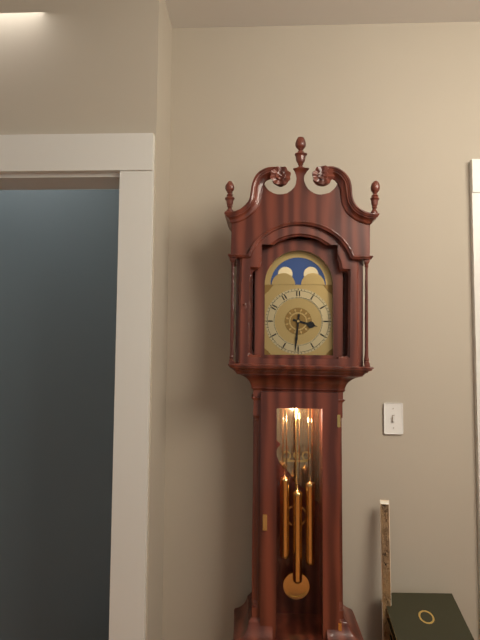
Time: {"hour": 3, "minute": 31}
